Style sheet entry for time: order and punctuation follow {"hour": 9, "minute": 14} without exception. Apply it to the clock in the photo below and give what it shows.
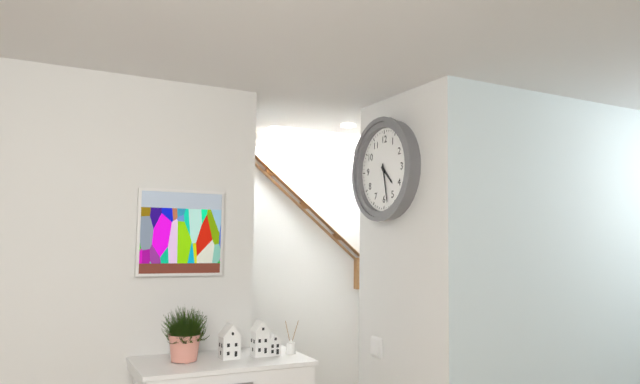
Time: {"hour": 4, "minute": 28}
